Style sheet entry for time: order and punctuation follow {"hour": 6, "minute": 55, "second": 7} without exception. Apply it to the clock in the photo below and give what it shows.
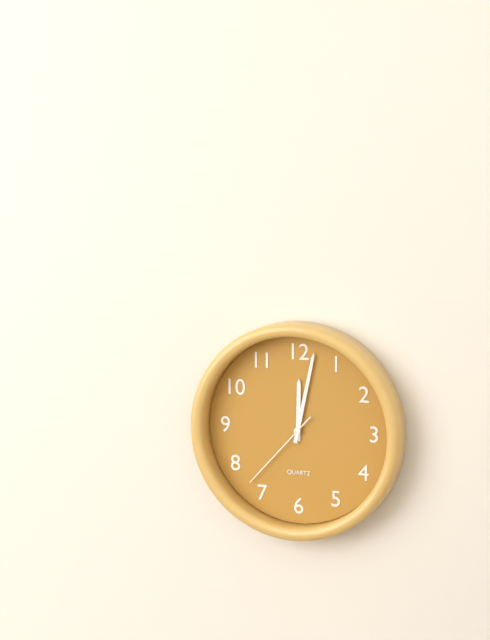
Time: {"hour": 12, "minute": 2, "second": 37}
